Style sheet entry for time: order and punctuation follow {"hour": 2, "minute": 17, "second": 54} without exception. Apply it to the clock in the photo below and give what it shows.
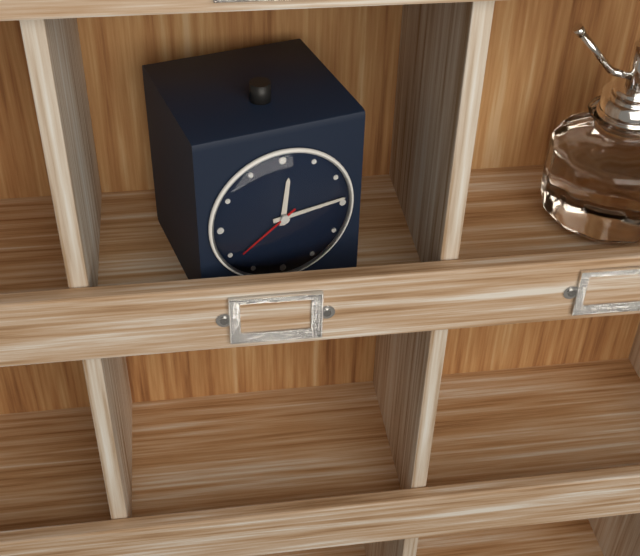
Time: {"hour": 12, "minute": 14, "second": 39}
